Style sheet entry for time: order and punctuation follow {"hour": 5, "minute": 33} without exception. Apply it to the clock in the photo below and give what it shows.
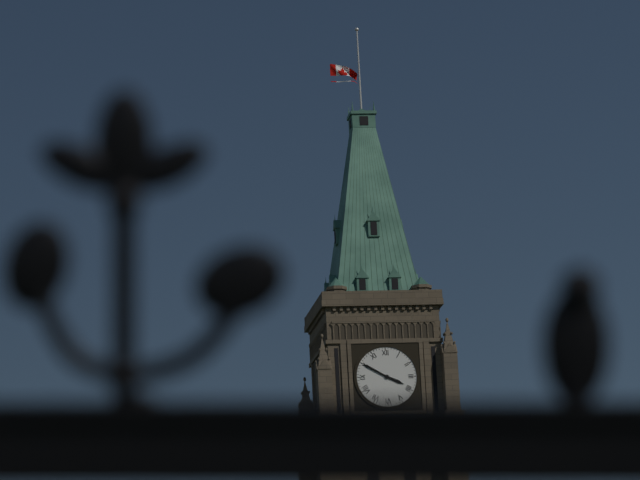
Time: {"hour": 3, "minute": 50}
